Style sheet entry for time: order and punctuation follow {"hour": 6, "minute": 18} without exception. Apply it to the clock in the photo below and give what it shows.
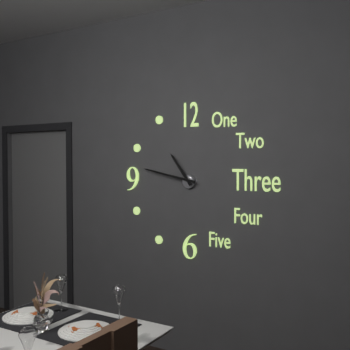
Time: {"hour": 10, "minute": 47}
